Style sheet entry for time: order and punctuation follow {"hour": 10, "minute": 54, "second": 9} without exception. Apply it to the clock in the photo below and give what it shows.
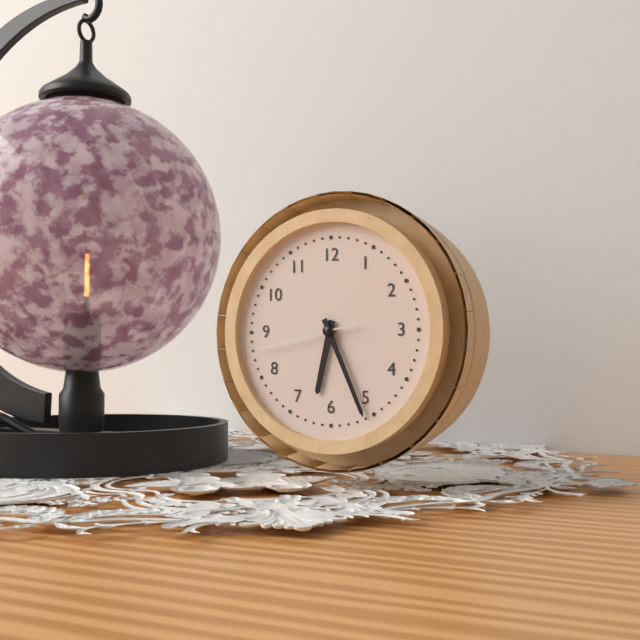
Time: {"hour": 6, "minute": 26, "second": 43}
